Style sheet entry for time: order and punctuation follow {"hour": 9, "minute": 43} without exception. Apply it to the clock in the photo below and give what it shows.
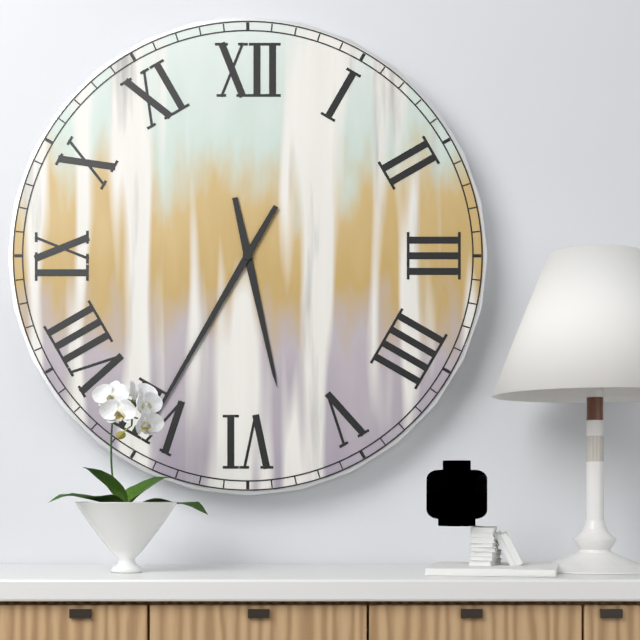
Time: {"hour": 5, "minute": 35}
